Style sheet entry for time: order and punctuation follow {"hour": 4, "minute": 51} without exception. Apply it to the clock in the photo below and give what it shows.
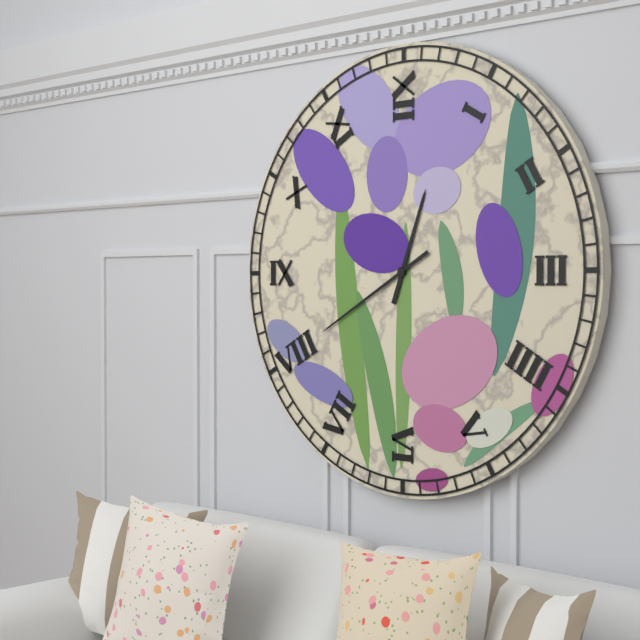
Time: {"hour": 12, "minute": 40}
